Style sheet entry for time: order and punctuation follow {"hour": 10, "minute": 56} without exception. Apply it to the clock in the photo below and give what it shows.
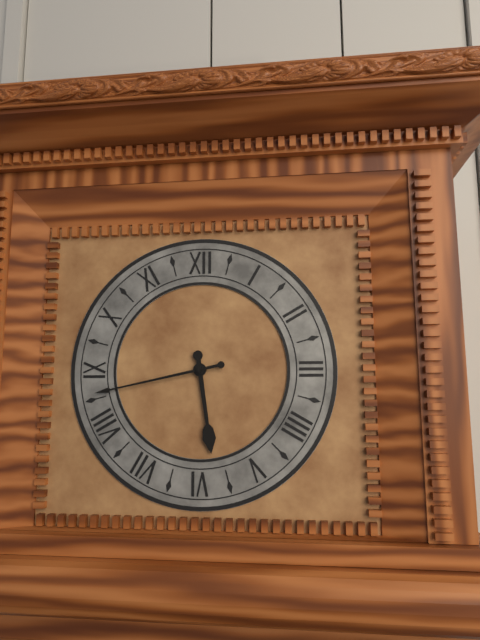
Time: {"hour": 5, "minute": 43}
